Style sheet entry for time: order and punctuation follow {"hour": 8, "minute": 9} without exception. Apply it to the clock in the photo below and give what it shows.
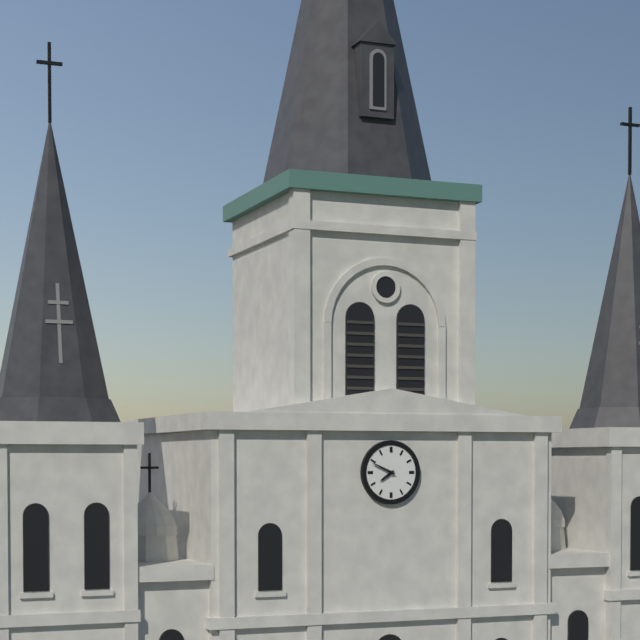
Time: {"hour": 7, "minute": 49}
